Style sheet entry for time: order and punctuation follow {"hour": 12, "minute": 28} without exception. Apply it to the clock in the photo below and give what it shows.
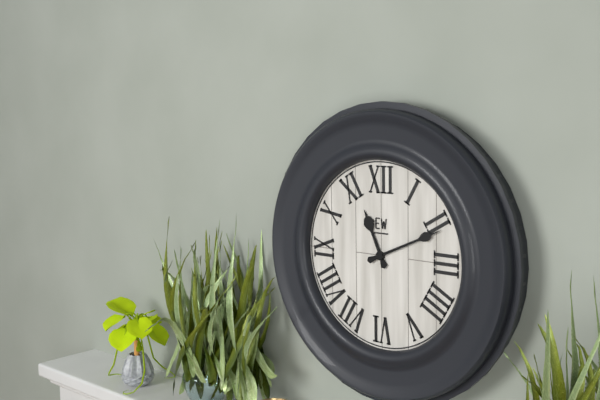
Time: {"hour": 11, "minute": 11}
